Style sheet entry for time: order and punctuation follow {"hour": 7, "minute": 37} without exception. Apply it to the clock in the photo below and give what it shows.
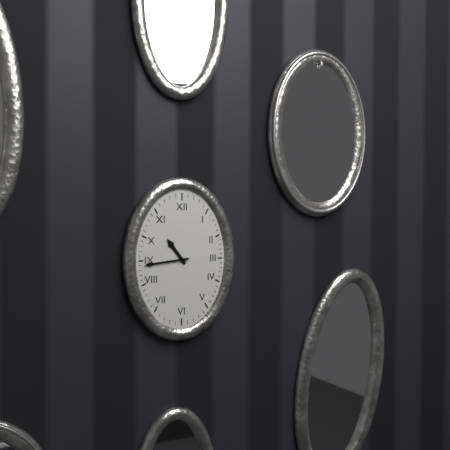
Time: {"hour": 10, "minute": 44}
